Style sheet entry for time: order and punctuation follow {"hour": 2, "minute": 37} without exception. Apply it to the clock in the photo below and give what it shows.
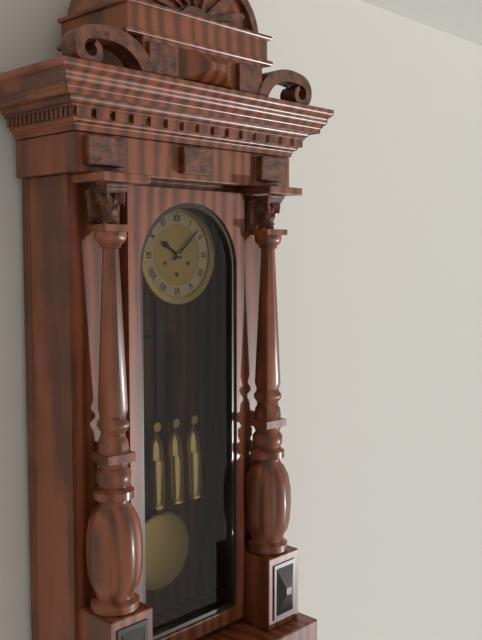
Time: {"hour": 10, "minute": 8}
